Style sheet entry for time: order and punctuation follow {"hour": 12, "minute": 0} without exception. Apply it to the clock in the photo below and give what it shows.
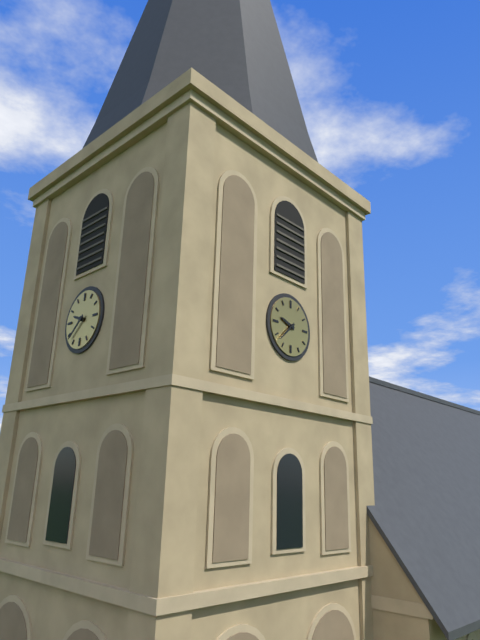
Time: {"hour": 9, "minute": 38}
